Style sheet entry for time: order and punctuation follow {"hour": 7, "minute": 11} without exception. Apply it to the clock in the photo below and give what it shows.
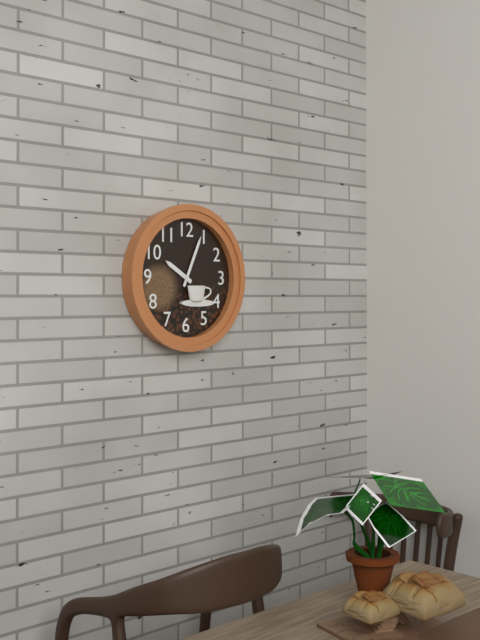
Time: {"hour": 10, "minute": 4}
